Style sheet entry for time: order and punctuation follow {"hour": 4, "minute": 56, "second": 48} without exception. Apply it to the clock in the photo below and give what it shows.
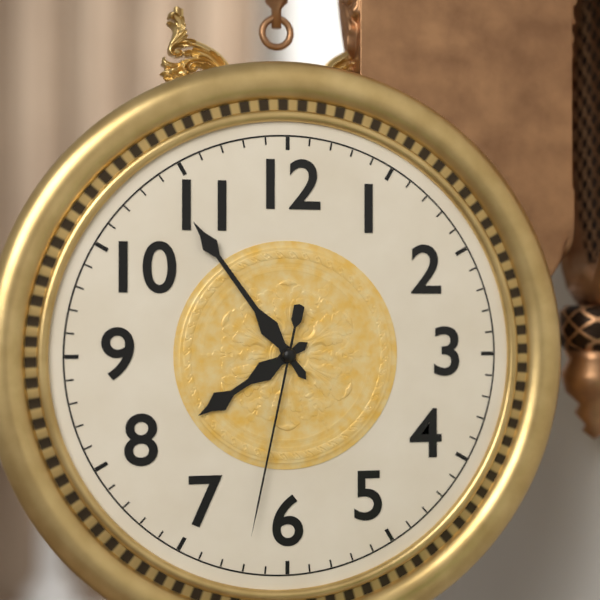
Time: {"hour": 7, "minute": 54, "second": 32}
